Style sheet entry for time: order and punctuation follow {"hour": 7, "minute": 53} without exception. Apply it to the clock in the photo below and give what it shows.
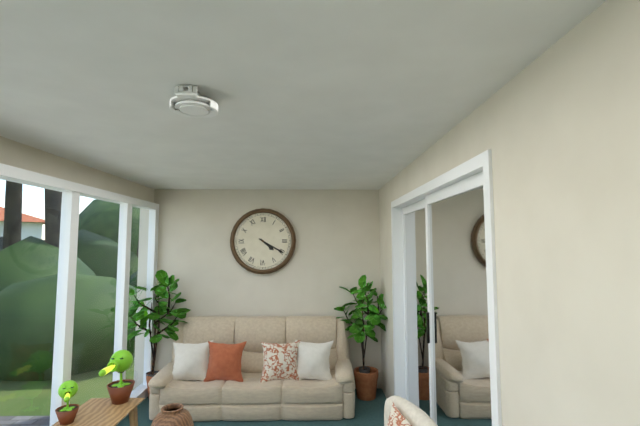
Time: {"hour": 4, "minute": 20}
